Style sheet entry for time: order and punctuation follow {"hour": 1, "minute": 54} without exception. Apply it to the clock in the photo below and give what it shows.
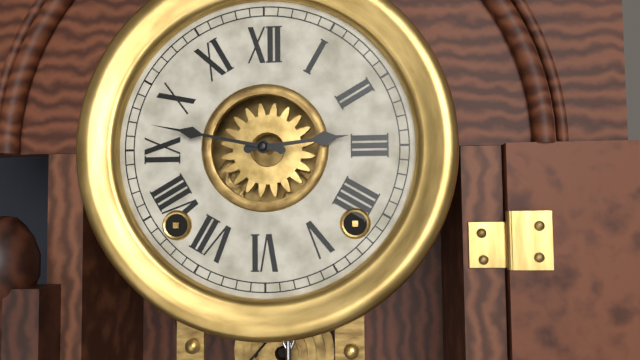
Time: {"hour": 2, "minute": 47}
